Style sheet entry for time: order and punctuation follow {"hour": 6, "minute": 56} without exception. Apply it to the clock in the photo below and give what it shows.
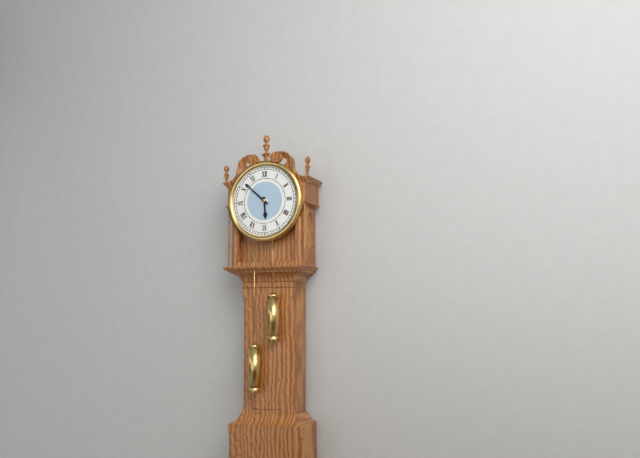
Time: {"hour": 5, "minute": 52}
